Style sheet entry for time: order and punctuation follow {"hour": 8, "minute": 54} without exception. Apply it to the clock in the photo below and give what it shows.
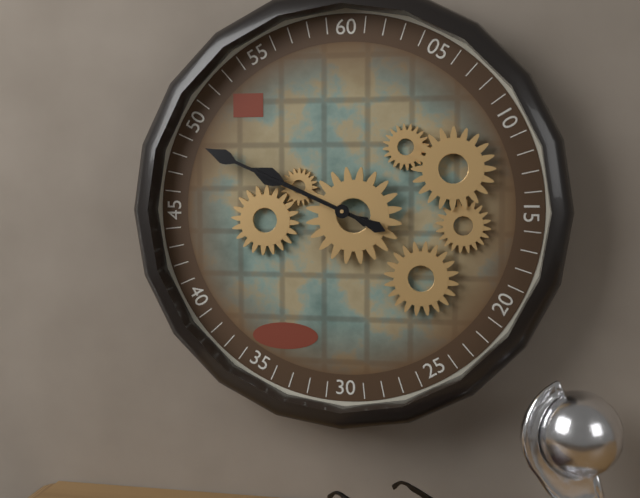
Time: {"hour": 9, "minute": 49}
